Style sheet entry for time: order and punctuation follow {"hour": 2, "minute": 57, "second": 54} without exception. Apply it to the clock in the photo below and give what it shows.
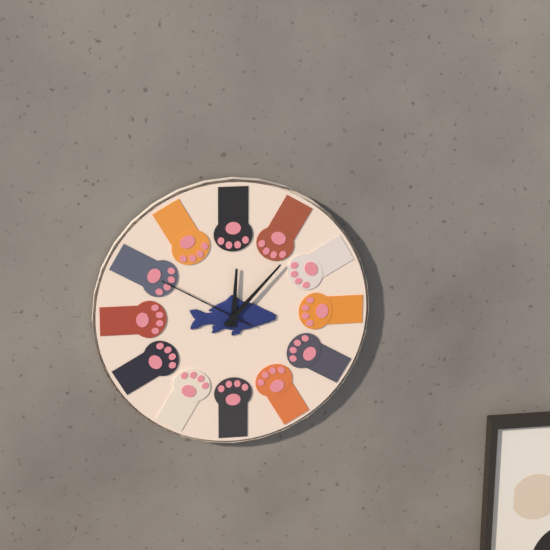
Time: {"hour": 12, "minute": 7, "second": 50}
